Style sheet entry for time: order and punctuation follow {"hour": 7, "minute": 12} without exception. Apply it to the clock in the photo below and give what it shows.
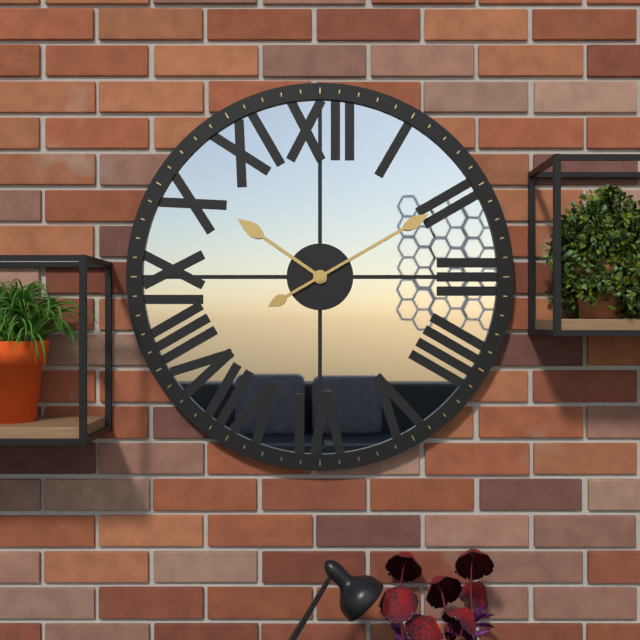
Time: {"hour": 10, "minute": 10}
